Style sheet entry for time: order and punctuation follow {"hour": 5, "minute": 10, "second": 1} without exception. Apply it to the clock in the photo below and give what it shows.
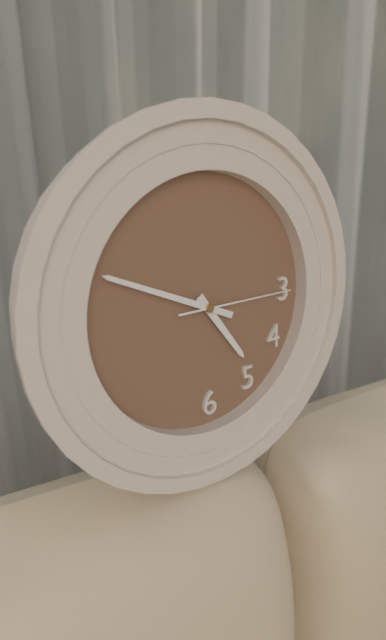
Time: {"hour": 4, "minute": 49, "second": 15}
